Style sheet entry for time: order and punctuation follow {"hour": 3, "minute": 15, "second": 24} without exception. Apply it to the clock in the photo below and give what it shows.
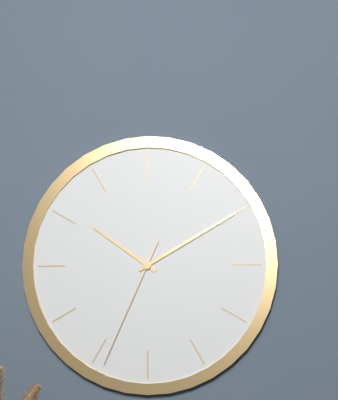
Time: {"hour": 10, "minute": 10, "second": 34}
